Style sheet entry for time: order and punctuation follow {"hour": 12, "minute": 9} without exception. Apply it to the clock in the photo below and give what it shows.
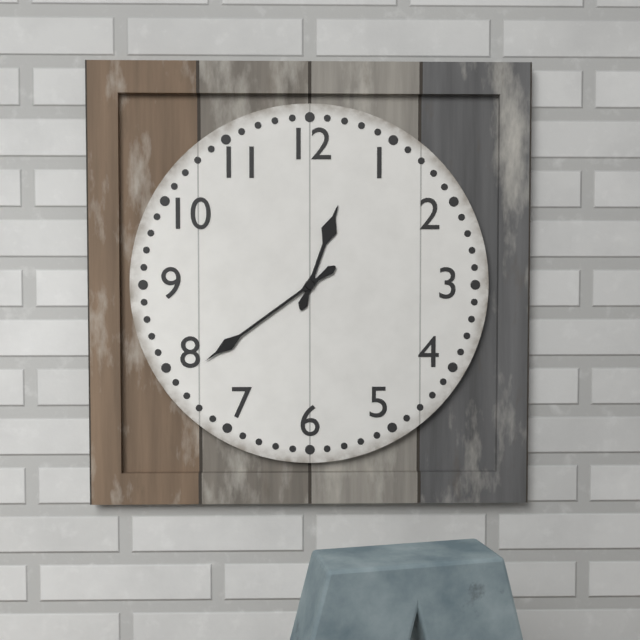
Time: {"hour": 12, "minute": 39}
